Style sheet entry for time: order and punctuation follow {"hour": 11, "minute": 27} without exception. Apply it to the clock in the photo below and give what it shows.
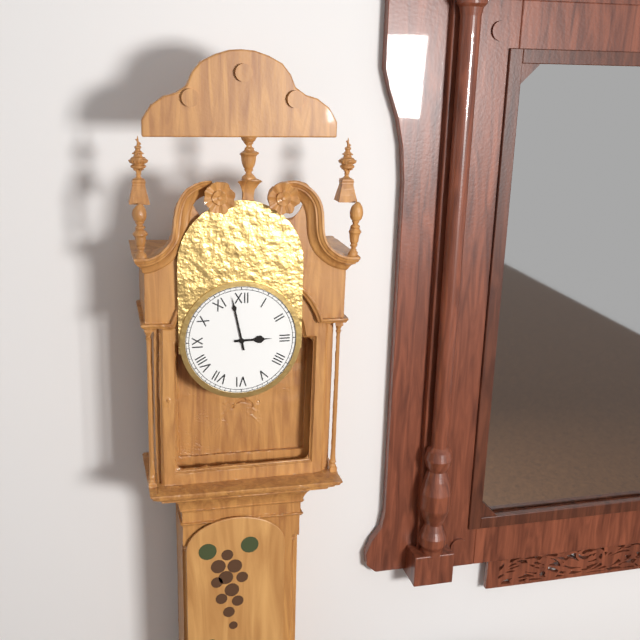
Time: {"hour": 2, "minute": 58}
